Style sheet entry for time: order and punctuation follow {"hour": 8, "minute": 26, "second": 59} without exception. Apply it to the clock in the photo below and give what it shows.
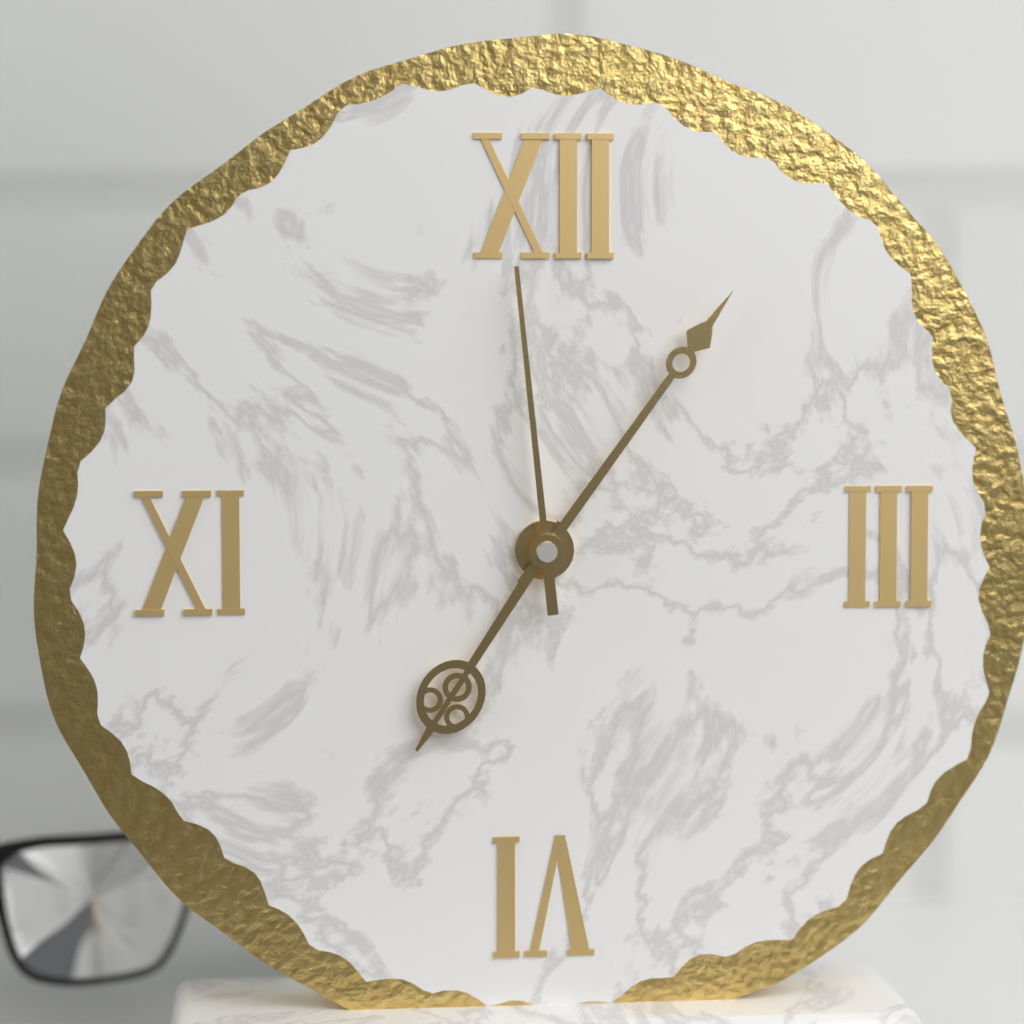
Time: {"hour": 7, "minute": 6, "second": 59}
